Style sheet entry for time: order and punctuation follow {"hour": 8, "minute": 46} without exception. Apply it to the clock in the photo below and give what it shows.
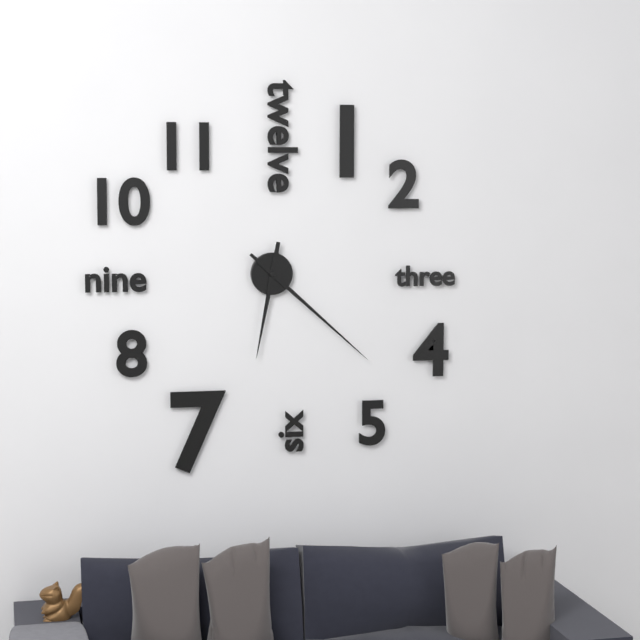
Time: {"hour": 6, "minute": 22}
